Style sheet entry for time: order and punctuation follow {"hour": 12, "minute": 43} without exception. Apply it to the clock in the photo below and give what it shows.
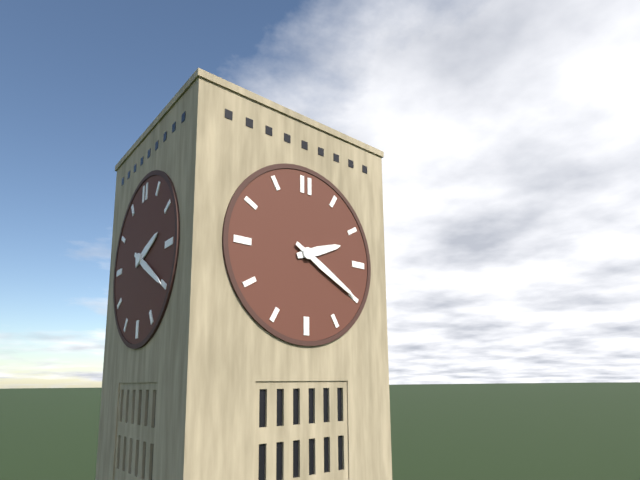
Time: {"hour": 2, "minute": 20}
